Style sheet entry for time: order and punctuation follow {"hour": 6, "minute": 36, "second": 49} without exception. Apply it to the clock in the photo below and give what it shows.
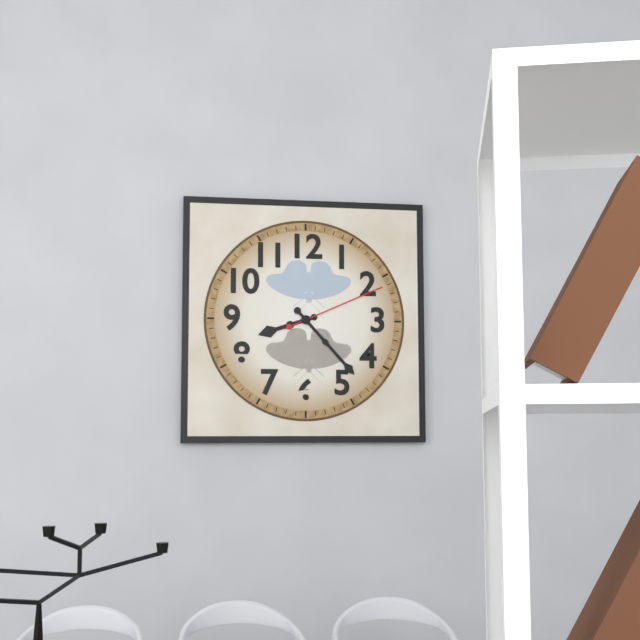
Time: {"hour": 8, "minute": 23, "second": 11}
